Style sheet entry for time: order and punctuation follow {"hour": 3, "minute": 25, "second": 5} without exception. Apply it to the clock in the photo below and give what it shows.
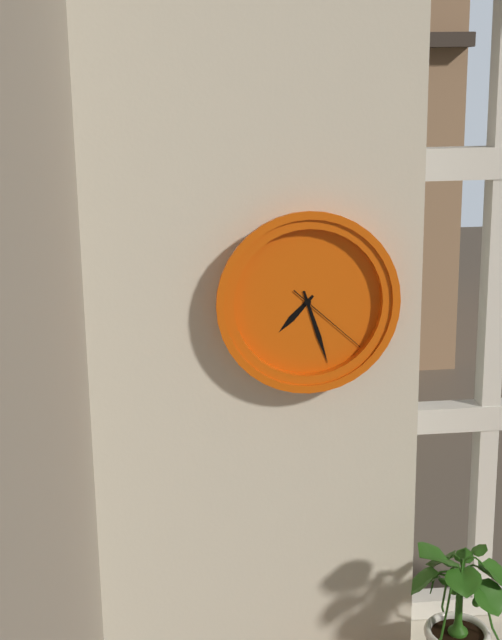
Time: {"hour": 7, "minute": 27, "second": 22}
